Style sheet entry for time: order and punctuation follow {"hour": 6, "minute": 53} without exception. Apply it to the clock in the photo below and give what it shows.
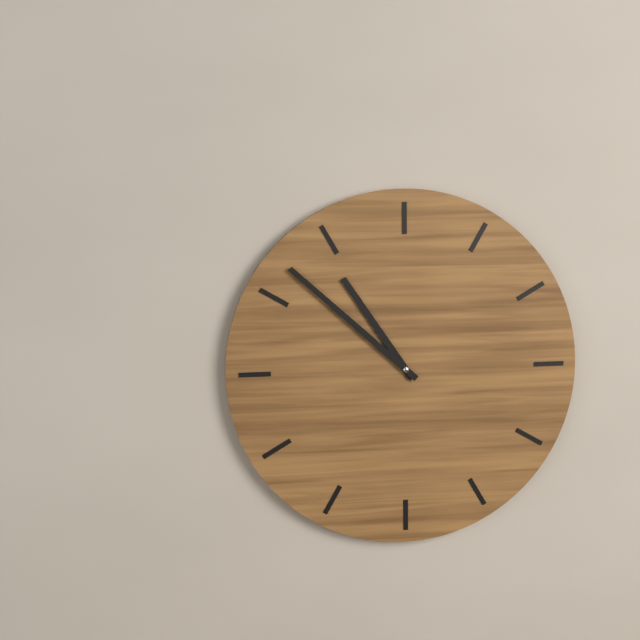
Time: {"hour": 10, "minute": 52}
